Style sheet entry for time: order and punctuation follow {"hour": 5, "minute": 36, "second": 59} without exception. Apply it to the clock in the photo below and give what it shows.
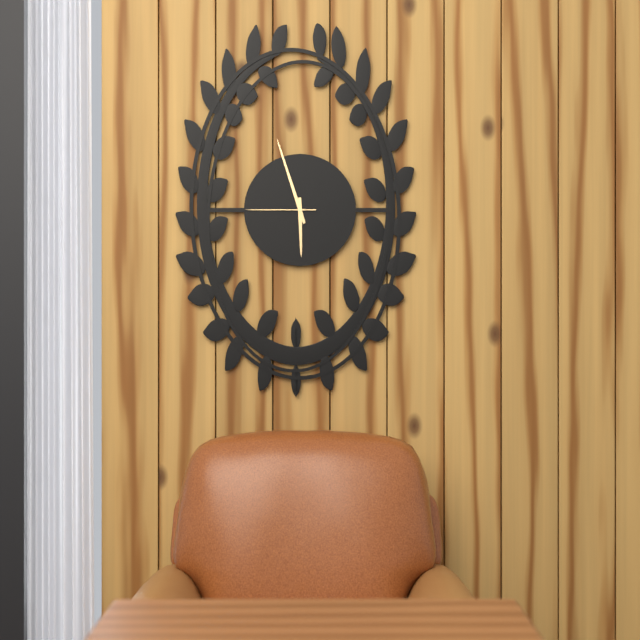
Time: {"hour": 5, "minute": 57, "second": 45}
